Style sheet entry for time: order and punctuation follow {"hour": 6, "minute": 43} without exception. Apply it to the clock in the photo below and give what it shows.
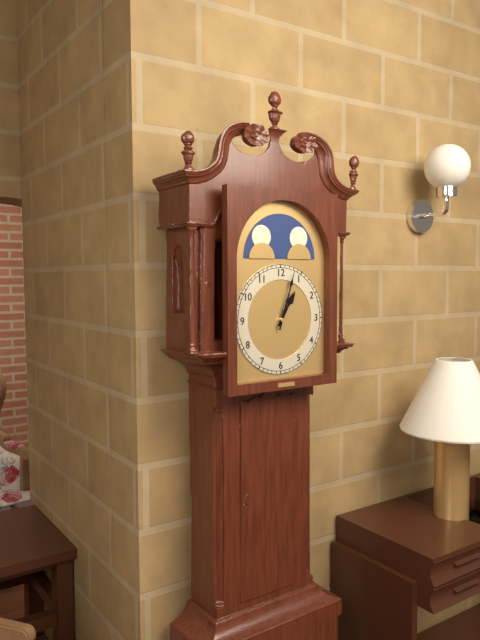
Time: {"hour": 1, "minute": 3}
